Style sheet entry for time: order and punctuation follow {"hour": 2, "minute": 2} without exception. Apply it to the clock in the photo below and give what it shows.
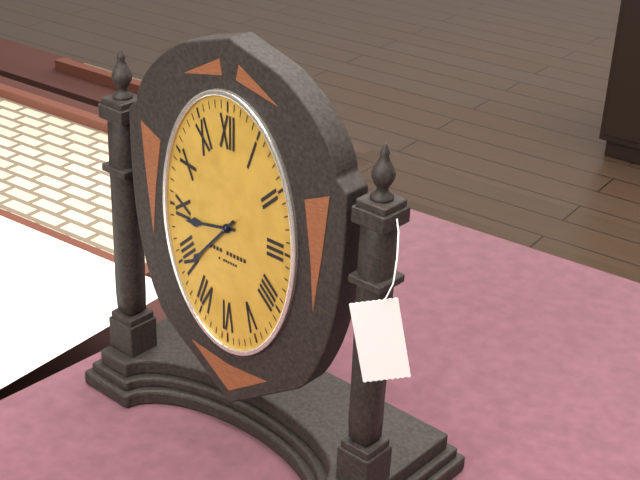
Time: {"hour": 8, "minute": 37}
